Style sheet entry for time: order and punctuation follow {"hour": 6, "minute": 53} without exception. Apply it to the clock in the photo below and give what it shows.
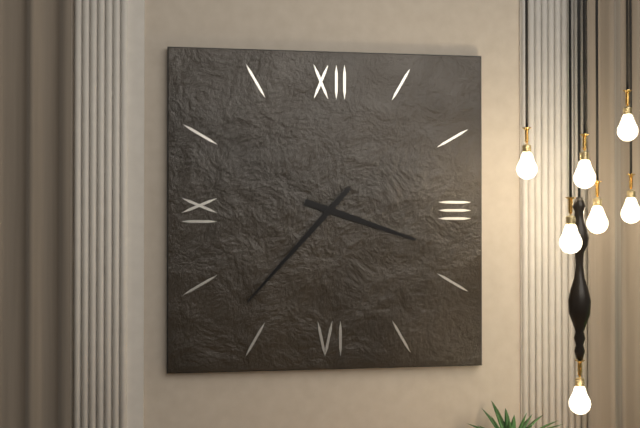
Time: {"hour": 3, "minute": 37}
